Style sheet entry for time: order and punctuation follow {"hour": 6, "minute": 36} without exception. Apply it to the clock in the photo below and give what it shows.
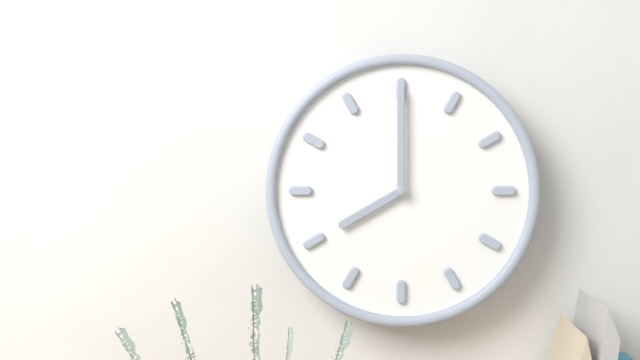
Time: {"hour": 8, "minute": 0}
